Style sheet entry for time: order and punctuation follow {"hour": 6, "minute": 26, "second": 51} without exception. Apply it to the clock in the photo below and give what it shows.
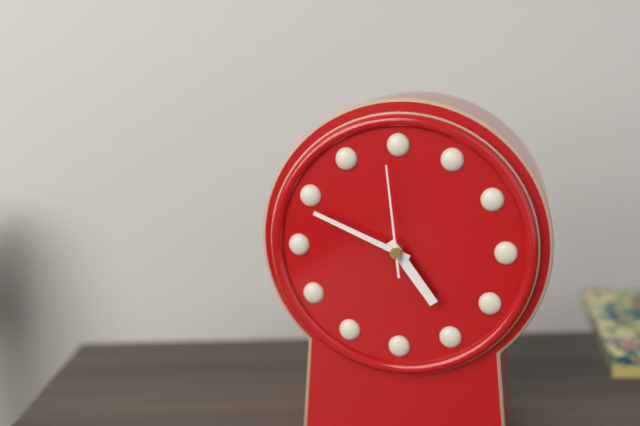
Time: {"hour": 4, "minute": 49, "second": 59}
